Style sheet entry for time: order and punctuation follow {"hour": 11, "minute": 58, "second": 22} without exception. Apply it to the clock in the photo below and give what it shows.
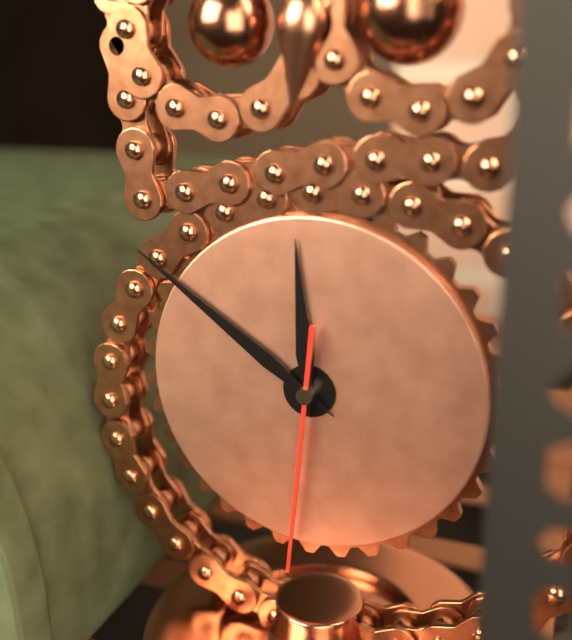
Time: {"hour": 11, "minute": 51, "second": 31}
